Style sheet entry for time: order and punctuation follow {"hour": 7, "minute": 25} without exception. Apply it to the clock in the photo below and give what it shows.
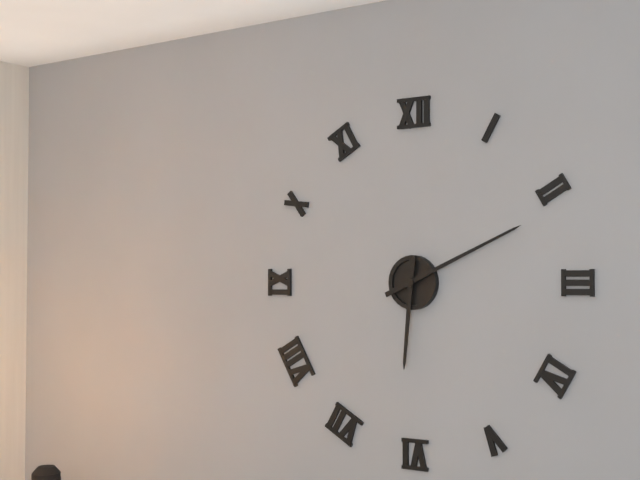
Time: {"hour": 6, "minute": 11}
